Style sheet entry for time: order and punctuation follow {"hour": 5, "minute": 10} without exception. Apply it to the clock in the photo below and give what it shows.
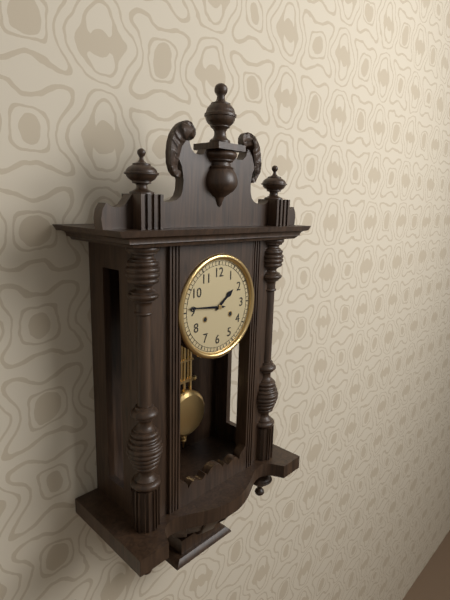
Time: {"hour": 1, "minute": 46}
